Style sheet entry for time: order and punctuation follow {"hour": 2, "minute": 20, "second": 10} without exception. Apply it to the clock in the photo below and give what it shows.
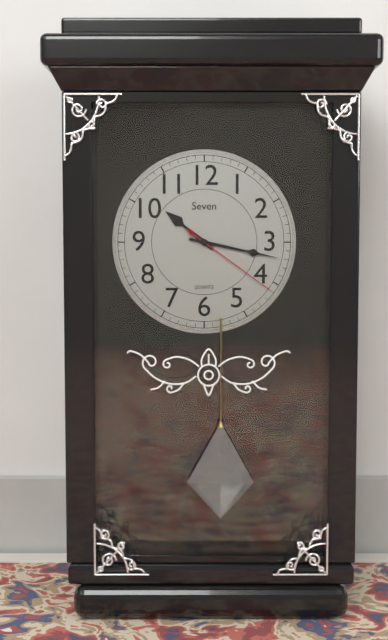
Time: {"hour": 10, "minute": 17, "second": 21}
